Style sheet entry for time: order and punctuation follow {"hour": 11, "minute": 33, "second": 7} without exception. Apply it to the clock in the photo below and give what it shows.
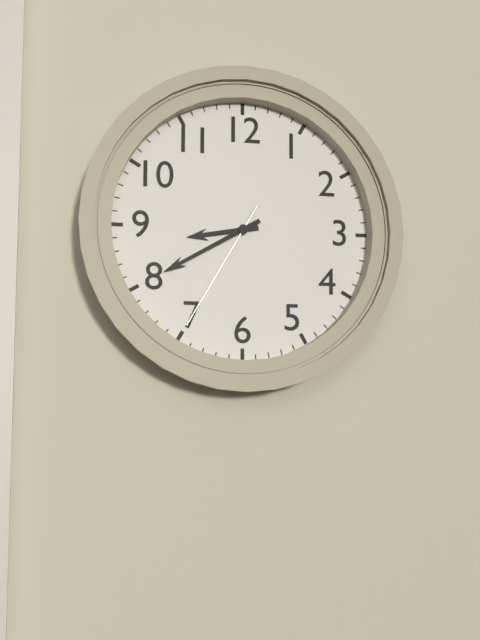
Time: {"hour": 8, "minute": 40, "second": 35}
